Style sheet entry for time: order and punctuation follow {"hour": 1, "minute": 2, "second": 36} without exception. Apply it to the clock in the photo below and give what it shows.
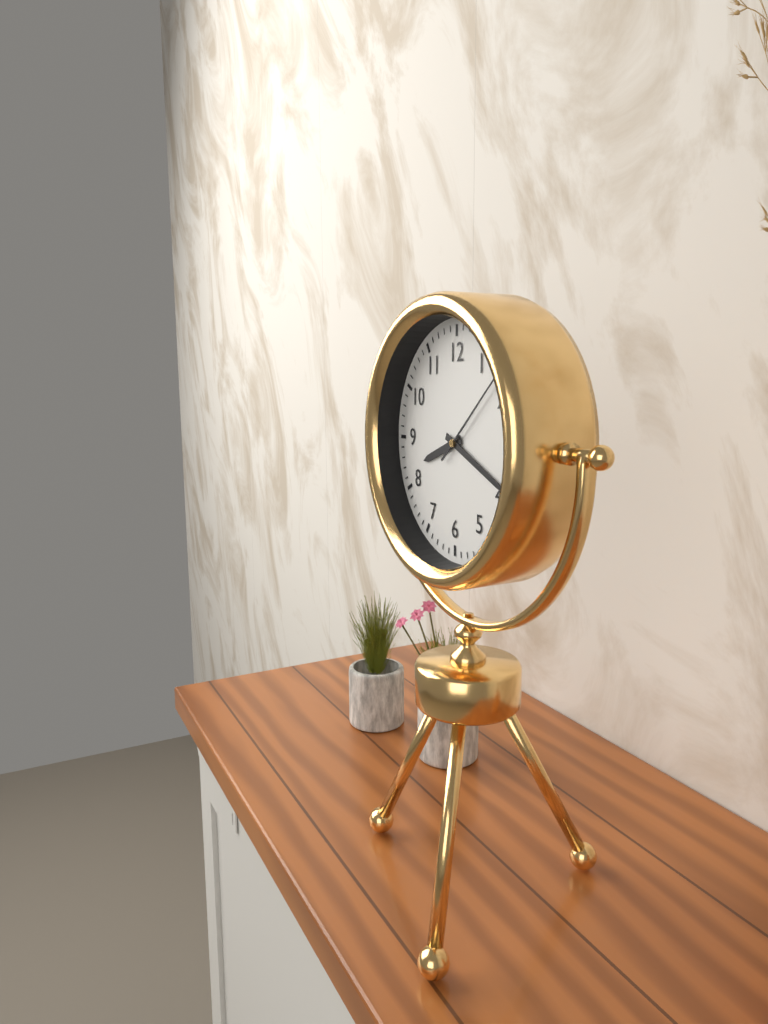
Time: {"hour": 8, "minute": 19, "second": 8}
